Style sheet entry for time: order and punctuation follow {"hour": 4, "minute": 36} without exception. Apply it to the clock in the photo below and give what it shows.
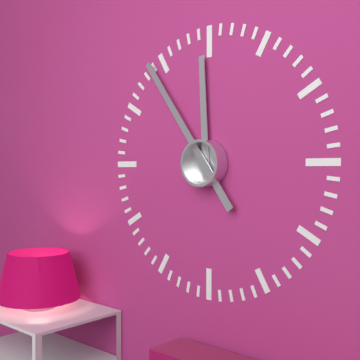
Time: {"hour": 11, "minute": 54}
